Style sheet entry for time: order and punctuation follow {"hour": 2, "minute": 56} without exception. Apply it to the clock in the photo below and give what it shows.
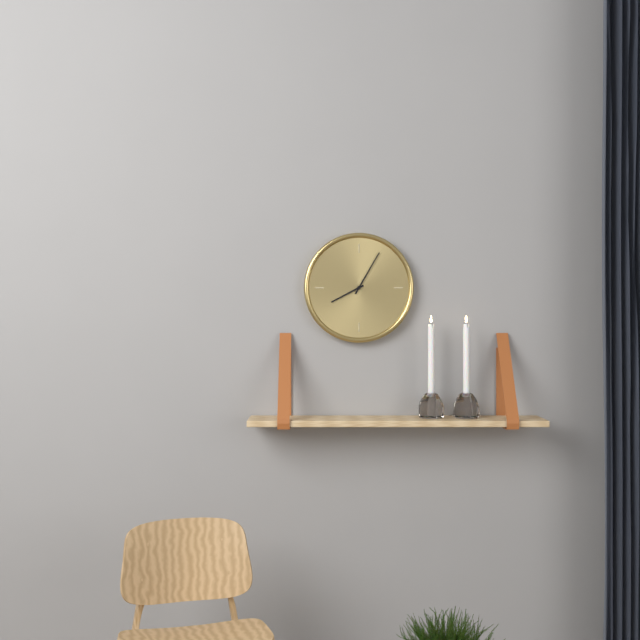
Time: {"hour": 8, "minute": 5}
